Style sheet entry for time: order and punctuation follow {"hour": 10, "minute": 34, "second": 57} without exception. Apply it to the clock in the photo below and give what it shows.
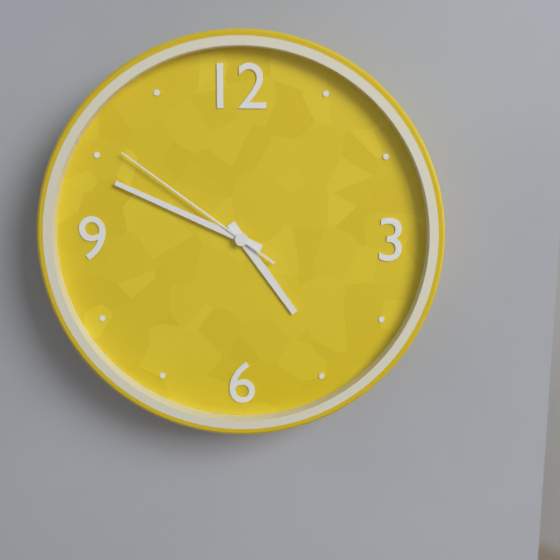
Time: {"hour": 4, "minute": 49, "second": 51}
